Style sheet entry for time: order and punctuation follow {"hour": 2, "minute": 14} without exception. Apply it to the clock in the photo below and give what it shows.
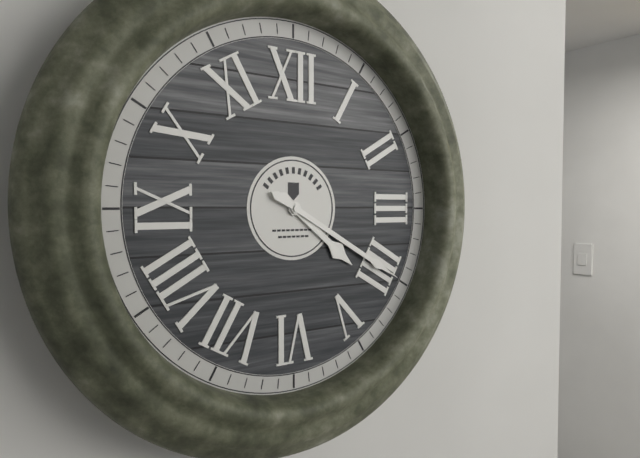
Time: {"hour": 4, "minute": 20}
